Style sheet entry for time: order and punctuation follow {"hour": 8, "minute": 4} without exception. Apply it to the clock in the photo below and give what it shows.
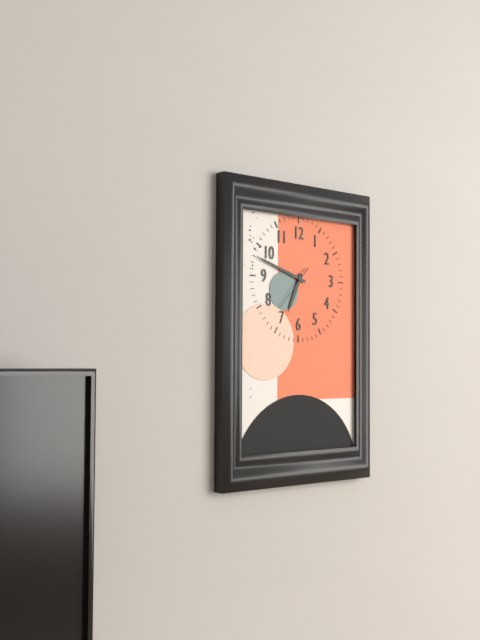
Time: {"hour": 6, "minute": 48}
